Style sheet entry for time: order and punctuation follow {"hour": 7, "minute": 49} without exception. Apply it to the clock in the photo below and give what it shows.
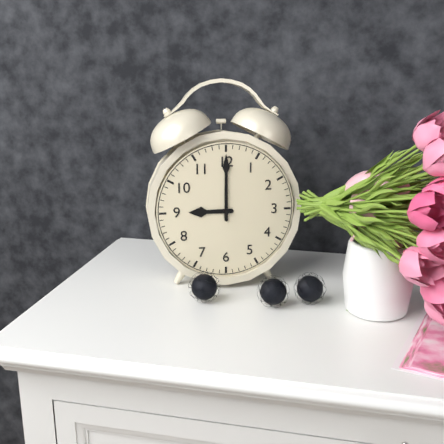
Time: {"hour": 9, "minute": 0}
